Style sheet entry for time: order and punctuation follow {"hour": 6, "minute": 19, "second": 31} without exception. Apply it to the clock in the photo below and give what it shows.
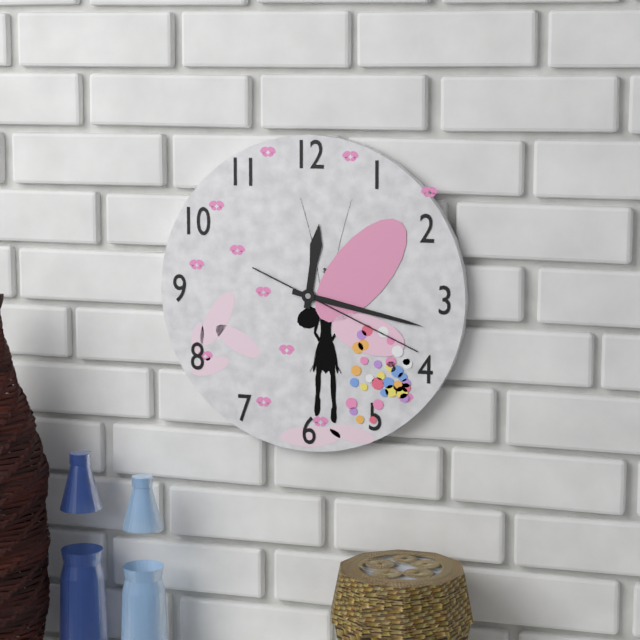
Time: {"hour": 12, "minute": 17, "second": 19}
